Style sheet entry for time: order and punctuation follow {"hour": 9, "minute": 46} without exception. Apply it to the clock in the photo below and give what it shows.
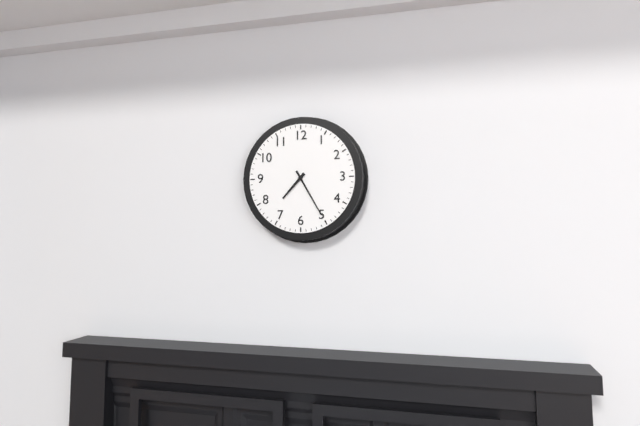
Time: {"hour": 7, "minute": 25}
